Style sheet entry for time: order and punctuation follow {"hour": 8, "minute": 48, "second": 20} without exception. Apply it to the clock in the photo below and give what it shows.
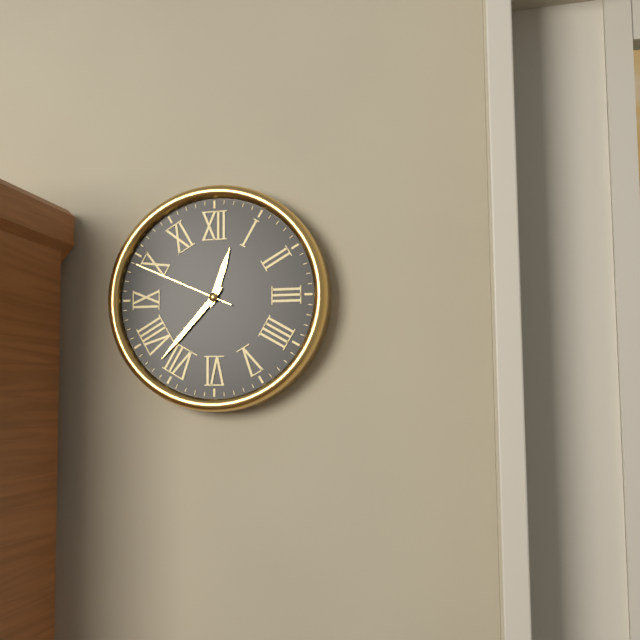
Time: {"hour": 12, "minute": 37, "second": 49}
